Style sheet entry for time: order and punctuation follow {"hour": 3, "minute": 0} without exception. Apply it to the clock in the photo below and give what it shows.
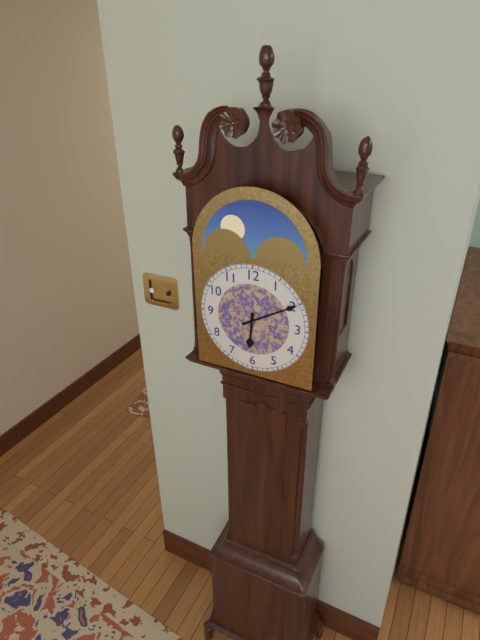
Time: {"hour": 6, "minute": 10}
